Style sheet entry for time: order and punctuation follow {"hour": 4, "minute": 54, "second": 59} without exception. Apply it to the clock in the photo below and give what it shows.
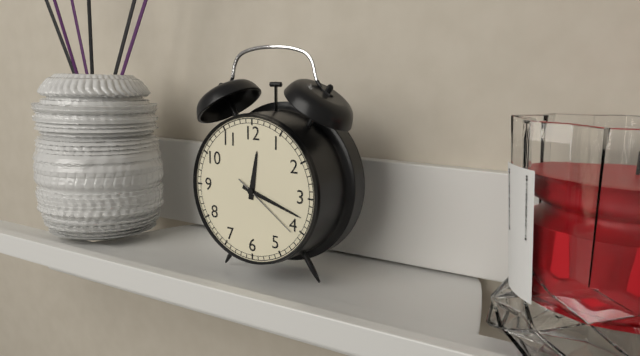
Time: {"hour": 12, "minute": 18, "second": 21}
